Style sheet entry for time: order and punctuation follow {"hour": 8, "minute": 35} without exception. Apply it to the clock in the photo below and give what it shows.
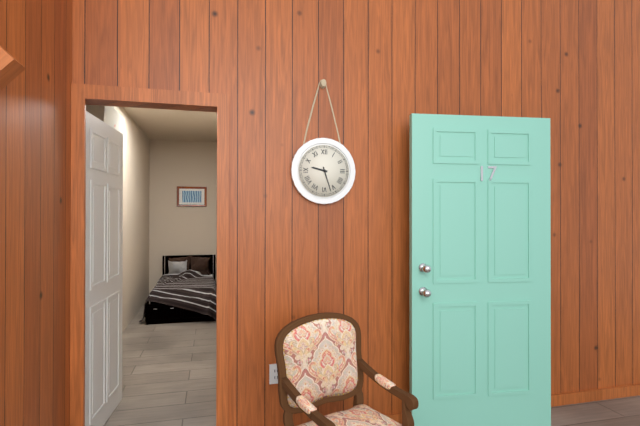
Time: {"hour": 9, "minute": 27}
